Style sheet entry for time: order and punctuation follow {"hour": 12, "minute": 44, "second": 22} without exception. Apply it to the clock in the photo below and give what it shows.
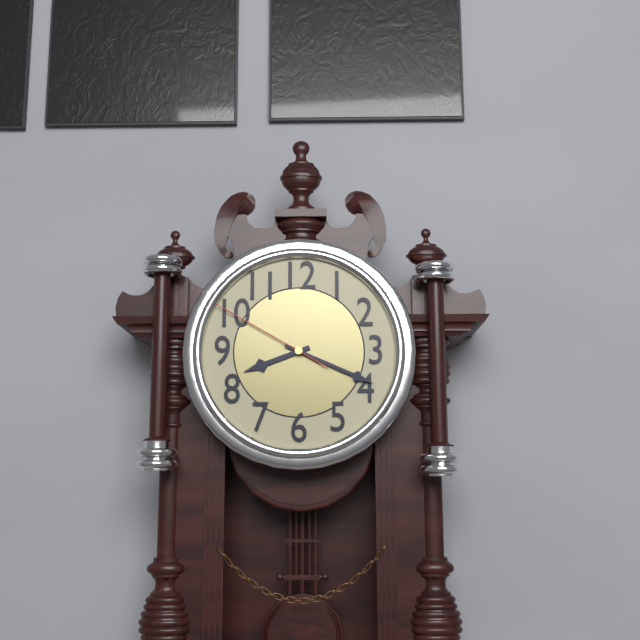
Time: {"hour": 8, "minute": 19, "second": 50}
